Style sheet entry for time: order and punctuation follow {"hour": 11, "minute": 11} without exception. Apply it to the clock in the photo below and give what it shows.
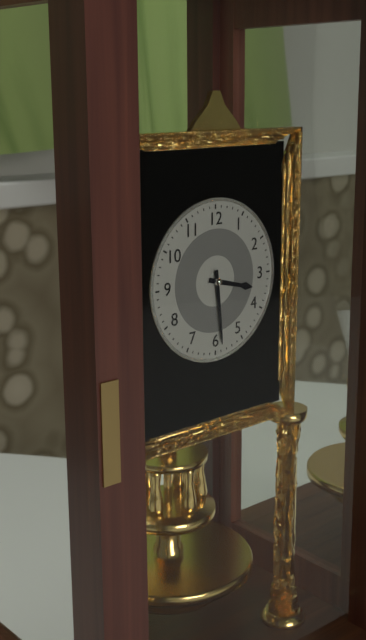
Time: {"hour": 3, "minute": 29}
